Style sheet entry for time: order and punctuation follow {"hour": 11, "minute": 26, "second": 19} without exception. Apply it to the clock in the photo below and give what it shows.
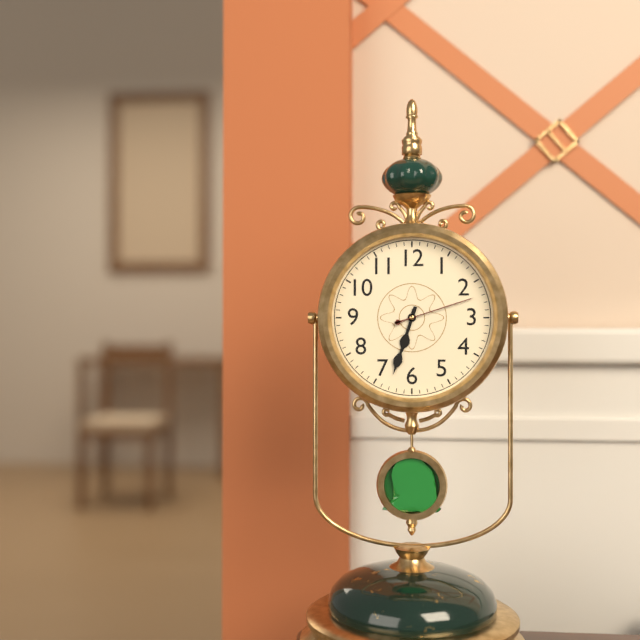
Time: {"hour": 6, "minute": 33, "second": 12}
